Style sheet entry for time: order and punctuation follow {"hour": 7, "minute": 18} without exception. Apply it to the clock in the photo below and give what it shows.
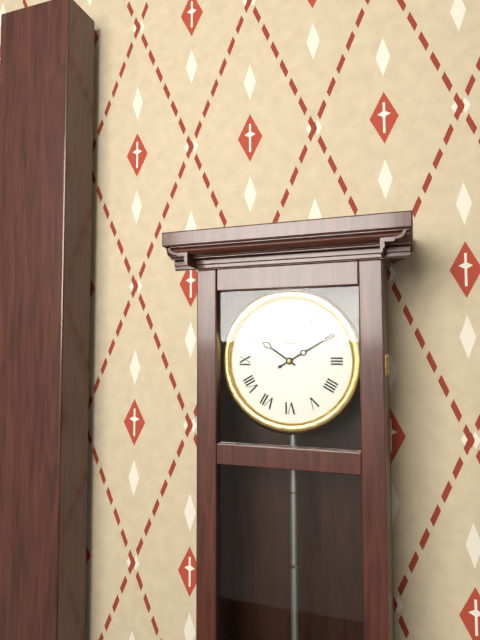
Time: {"hour": 10, "minute": 10}
